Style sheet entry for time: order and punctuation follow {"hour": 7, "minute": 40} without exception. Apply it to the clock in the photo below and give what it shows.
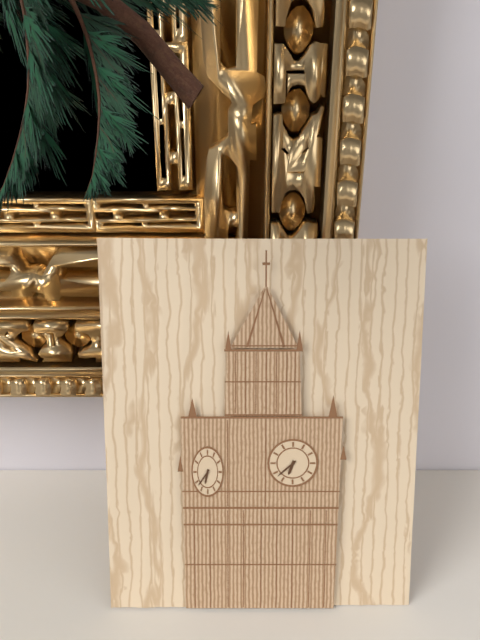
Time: {"hour": 6, "minute": 38}
